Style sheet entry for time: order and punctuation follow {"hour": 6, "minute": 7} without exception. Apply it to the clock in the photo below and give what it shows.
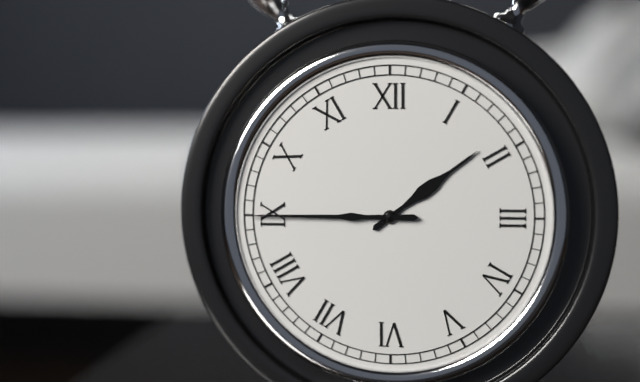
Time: {"hour": 1, "minute": 45}
